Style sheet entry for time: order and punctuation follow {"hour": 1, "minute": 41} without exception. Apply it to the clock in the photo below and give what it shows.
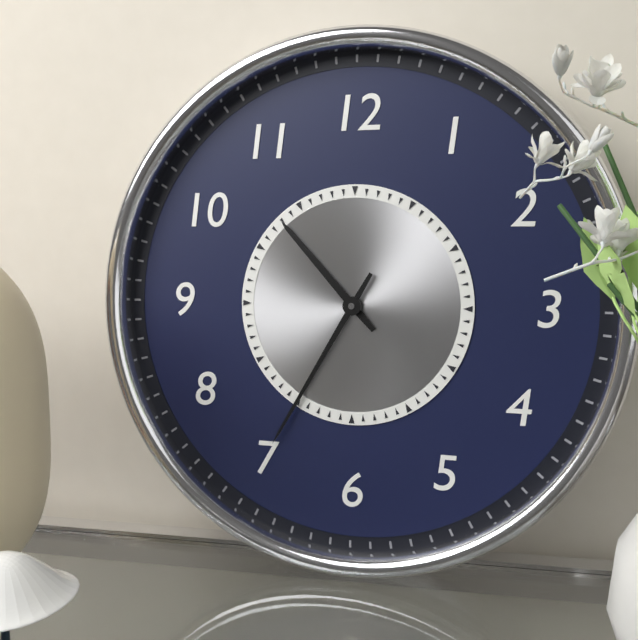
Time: {"hour": 10, "minute": 35}
